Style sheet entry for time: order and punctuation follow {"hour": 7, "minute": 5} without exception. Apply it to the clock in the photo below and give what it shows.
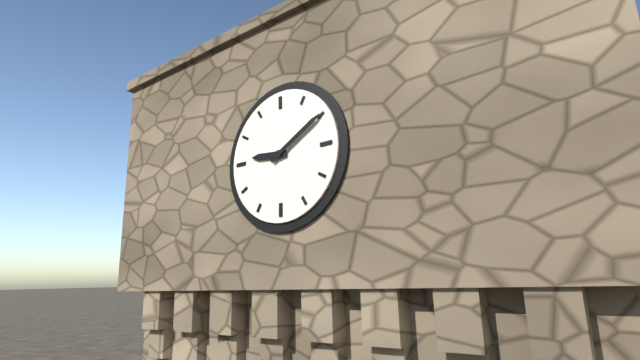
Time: {"hour": 9, "minute": 10}
